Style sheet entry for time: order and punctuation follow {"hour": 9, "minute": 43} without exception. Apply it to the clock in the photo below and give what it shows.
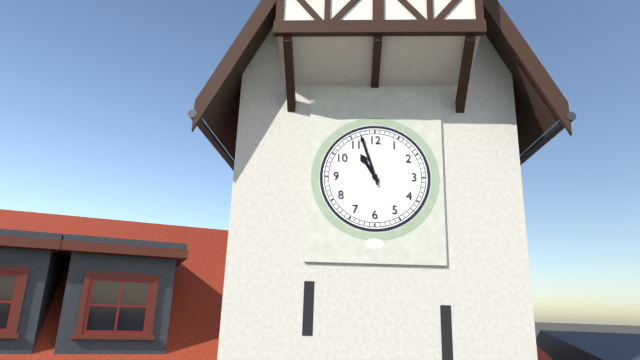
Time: {"hour": 10, "minute": 57}
